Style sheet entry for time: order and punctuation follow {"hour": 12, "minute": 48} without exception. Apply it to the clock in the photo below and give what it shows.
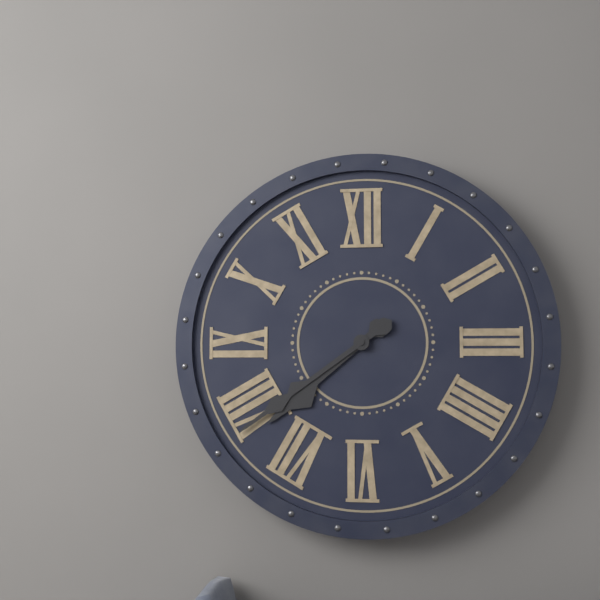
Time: {"hour": 7, "minute": 39}
